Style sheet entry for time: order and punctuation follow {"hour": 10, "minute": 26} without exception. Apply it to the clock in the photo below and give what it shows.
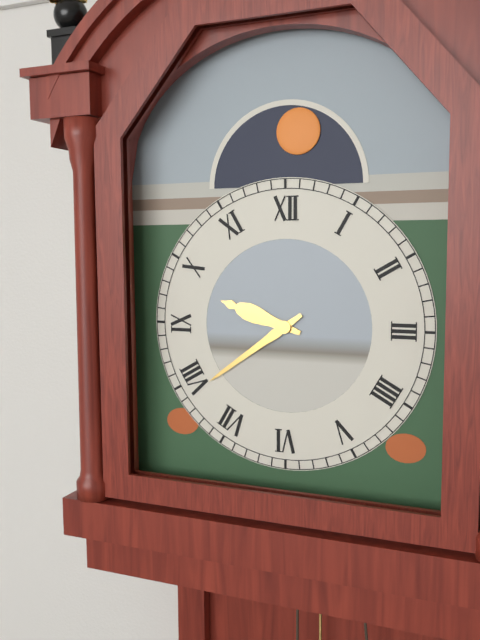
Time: {"hour": 9, "minute": 39}
